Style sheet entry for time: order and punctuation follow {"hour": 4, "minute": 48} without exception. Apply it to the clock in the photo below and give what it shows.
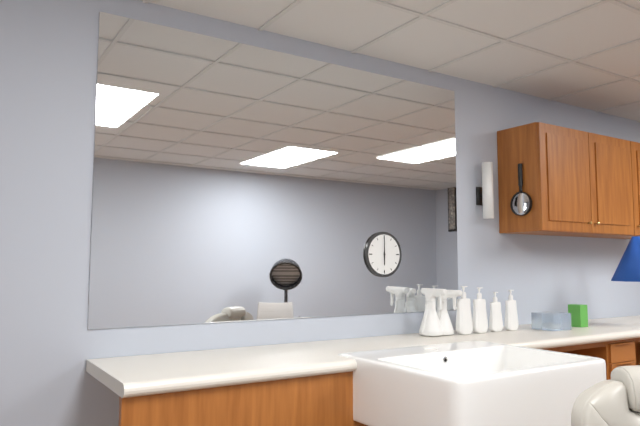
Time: {"hour": 6, "minute": 0}
